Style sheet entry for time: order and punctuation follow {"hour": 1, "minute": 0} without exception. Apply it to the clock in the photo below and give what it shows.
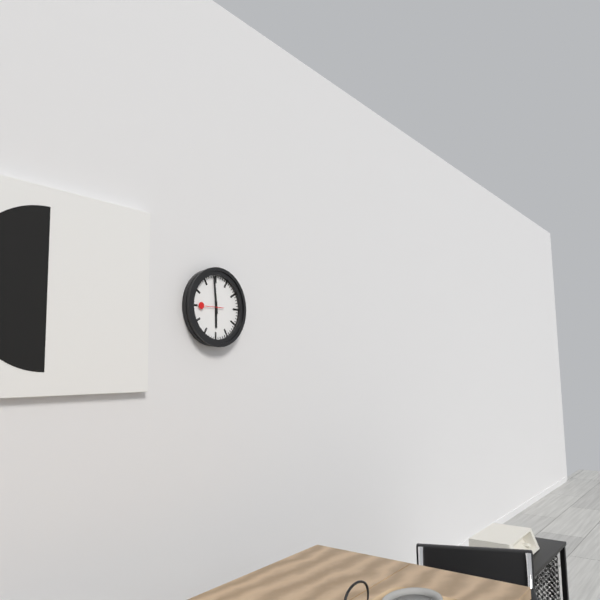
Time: {"hour": 5, "minute": 59}
